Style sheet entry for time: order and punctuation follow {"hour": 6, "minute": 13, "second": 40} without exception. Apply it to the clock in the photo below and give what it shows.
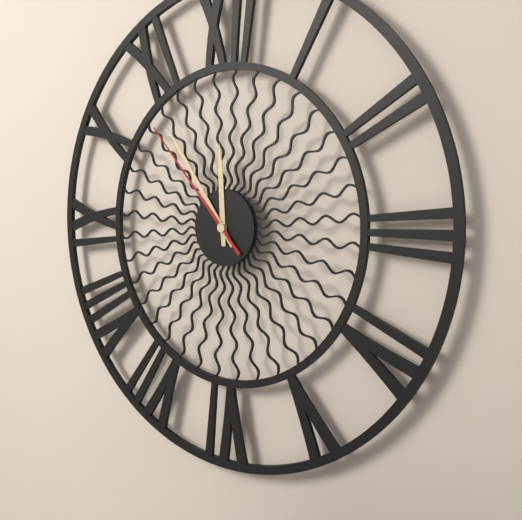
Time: {"hour": 11, "minute": 54, "second": 53}
